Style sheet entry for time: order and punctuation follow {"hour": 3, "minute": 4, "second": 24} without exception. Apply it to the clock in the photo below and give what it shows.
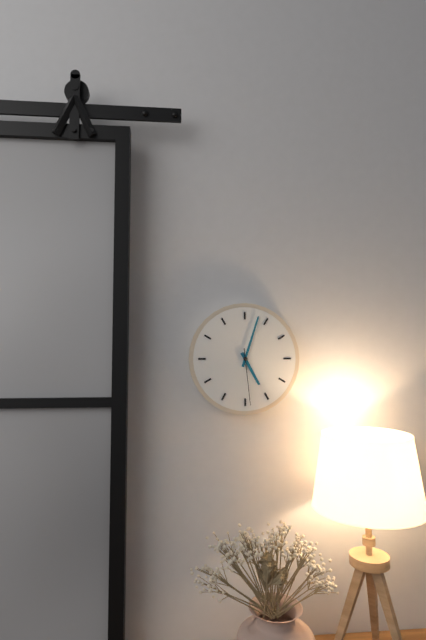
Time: {"hour": 5, "minute": 3, "second": 29}
